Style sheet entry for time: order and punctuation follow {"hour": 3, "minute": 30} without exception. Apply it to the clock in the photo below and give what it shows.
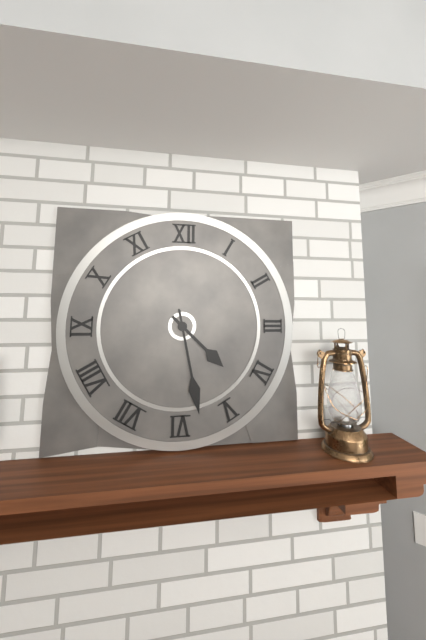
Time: {"hour": 4, "minute": 28}
